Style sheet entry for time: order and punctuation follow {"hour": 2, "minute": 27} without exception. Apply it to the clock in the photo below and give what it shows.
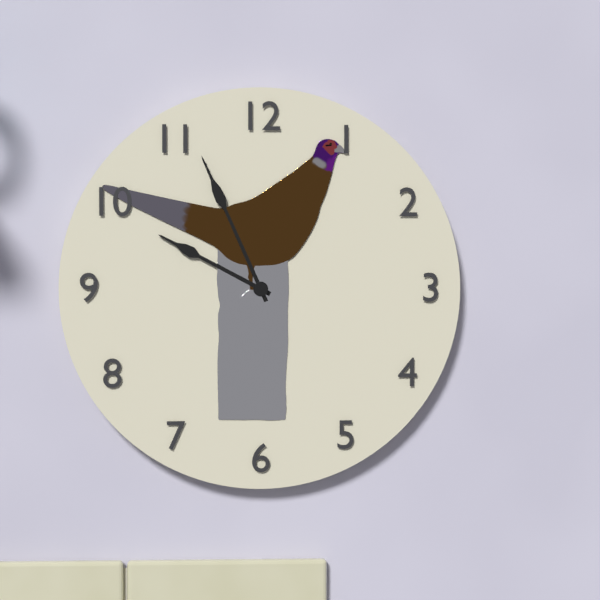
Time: {"hour": 9, "minute": 56}
